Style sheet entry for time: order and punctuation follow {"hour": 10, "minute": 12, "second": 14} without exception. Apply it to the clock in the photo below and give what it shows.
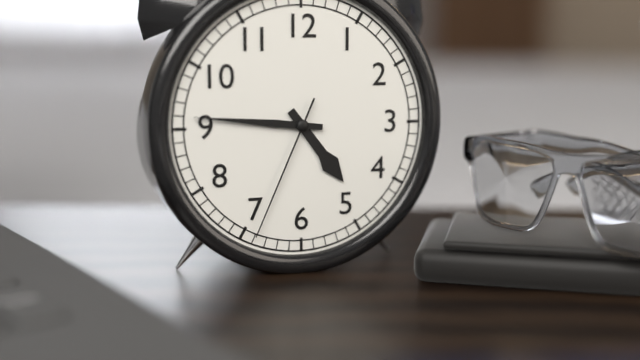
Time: {"hour": 4, "minute": 46, "second": 34}
